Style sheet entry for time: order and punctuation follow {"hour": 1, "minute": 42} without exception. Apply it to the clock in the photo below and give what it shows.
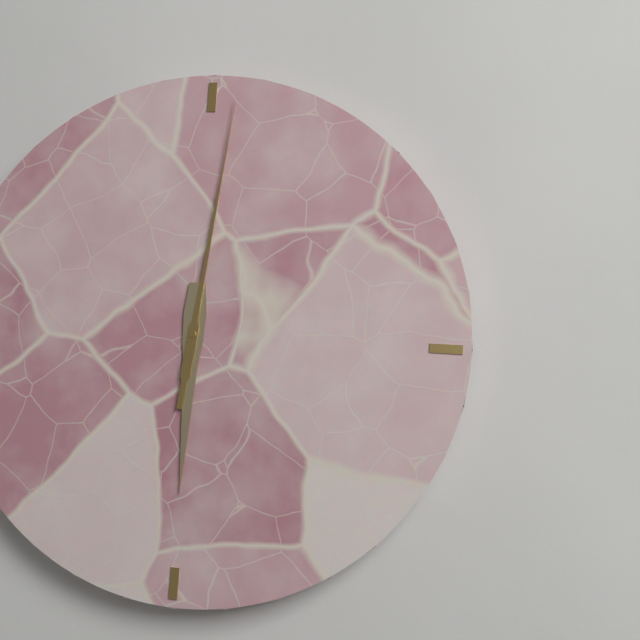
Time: {"hour": 6, "minute": 1}
